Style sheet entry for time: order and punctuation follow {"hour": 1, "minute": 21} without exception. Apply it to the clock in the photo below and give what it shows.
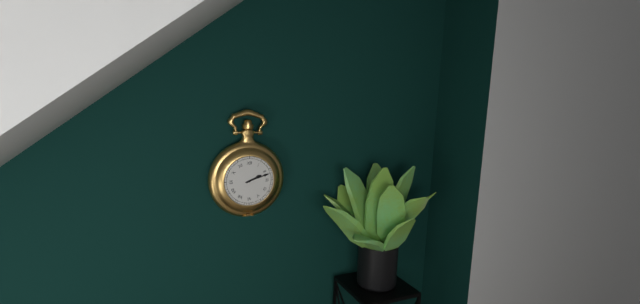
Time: {"hour": 2, "minute": 12}
